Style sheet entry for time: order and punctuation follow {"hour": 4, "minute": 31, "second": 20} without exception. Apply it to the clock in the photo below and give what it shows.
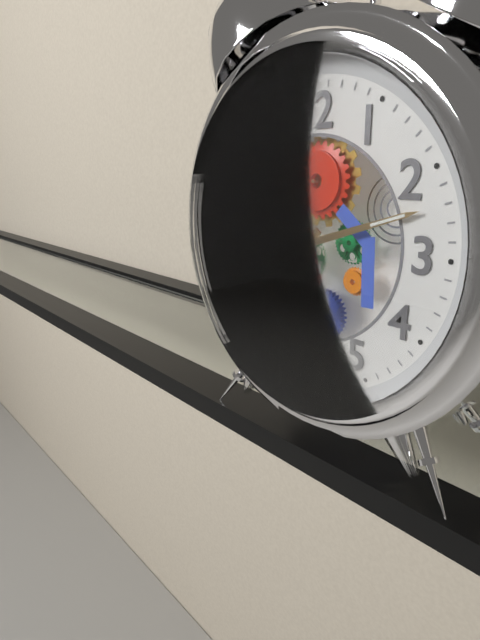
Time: {"hour": 7, "minute": 12, "second": 58}
